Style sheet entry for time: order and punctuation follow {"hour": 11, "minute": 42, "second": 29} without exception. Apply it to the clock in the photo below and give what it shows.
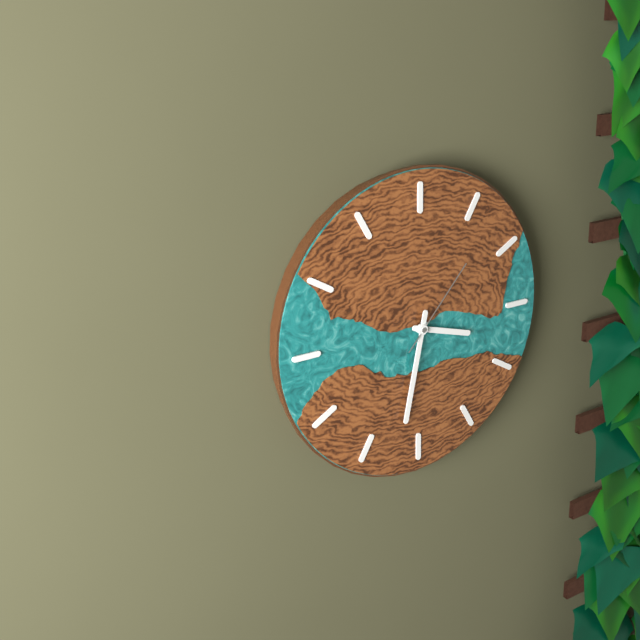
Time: {"hour": 3, "minute": 32, "second": 7}
